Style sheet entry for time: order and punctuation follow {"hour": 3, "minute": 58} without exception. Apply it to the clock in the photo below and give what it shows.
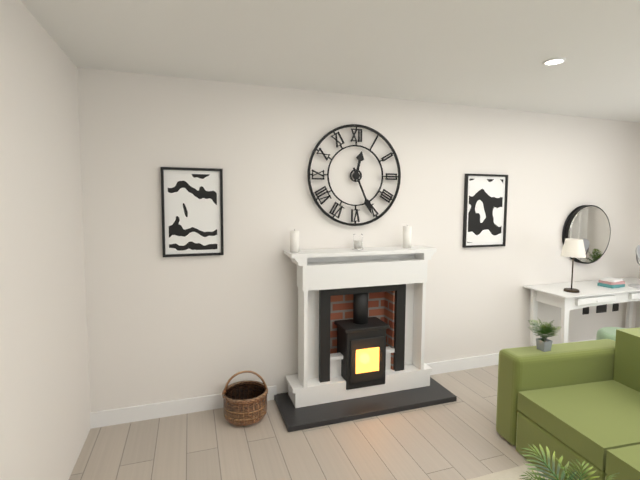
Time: {"hour": 12, "minute": 26}
